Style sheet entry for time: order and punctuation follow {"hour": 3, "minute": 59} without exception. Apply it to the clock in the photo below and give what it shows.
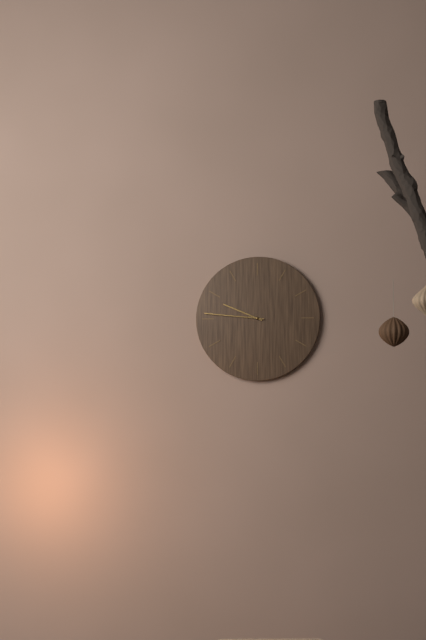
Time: {"hour": 9, "minute": 46}
